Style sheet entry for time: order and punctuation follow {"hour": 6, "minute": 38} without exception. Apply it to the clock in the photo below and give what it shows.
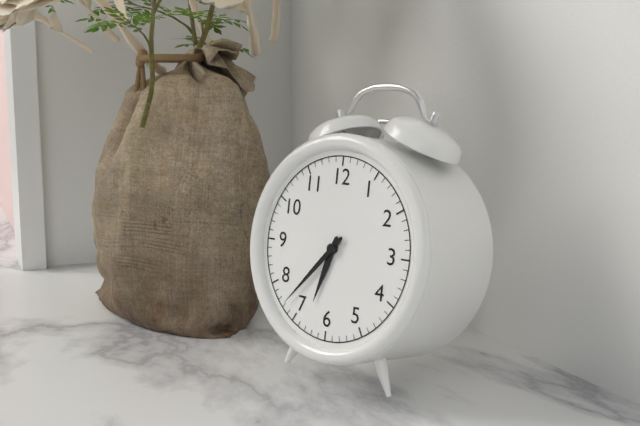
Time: {"hour": 6, "minute": 37}
